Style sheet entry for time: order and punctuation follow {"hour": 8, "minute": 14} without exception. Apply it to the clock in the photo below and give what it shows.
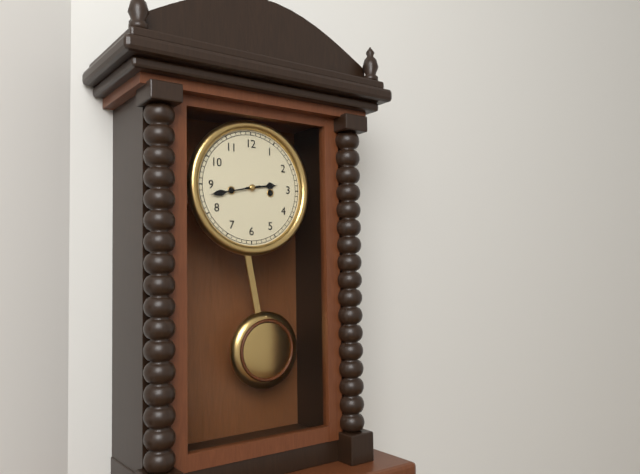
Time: {"hour": 2, "minute": 43}
